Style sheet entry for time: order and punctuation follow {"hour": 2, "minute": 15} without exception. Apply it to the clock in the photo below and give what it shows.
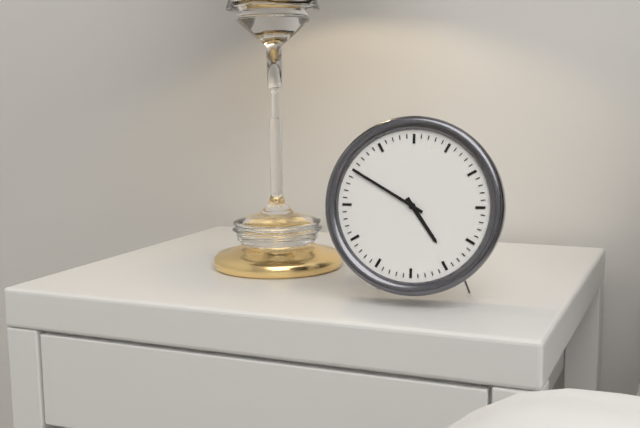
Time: {"hour": 4, "minute": 50}
